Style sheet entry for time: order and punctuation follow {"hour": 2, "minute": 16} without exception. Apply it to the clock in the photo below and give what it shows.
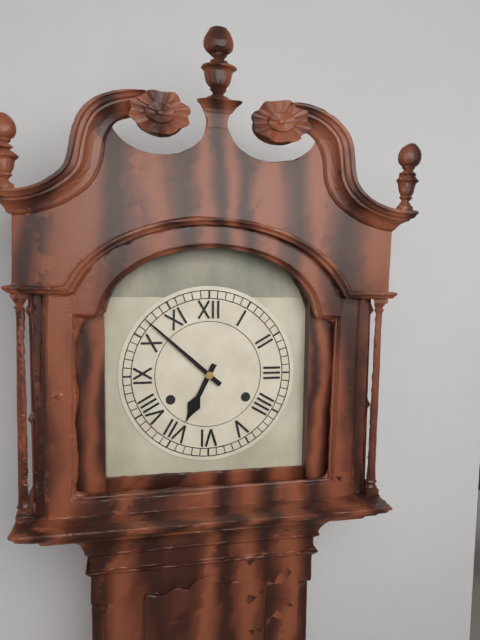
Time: {"hour": 6, "minute": 52}
